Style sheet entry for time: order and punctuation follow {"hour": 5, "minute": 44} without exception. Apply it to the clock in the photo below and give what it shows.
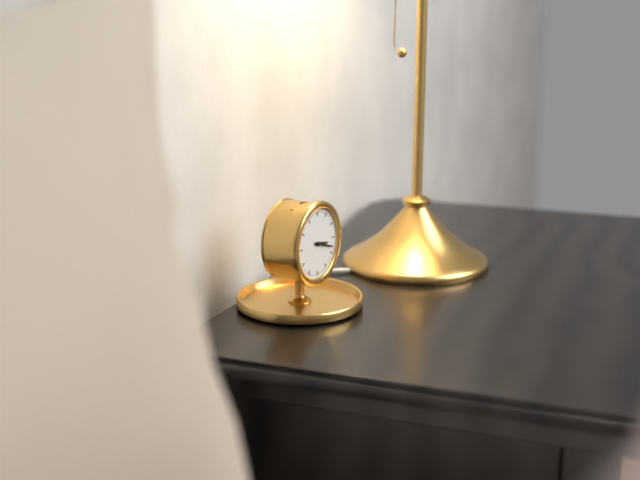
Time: {"hour": 3, "minute": 18}
